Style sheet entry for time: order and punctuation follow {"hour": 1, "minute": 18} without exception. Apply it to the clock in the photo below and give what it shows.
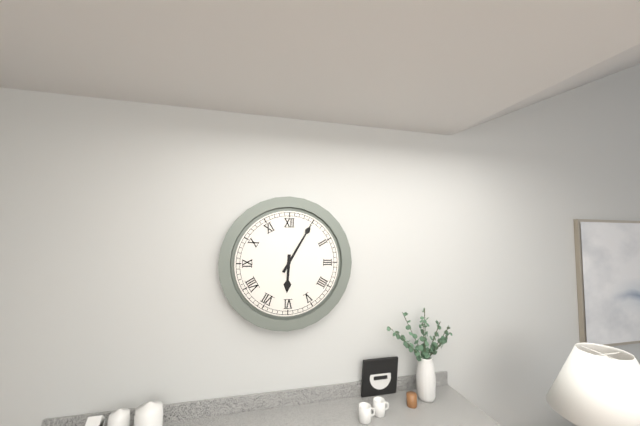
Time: {"hour": 6, "minute": 5}
